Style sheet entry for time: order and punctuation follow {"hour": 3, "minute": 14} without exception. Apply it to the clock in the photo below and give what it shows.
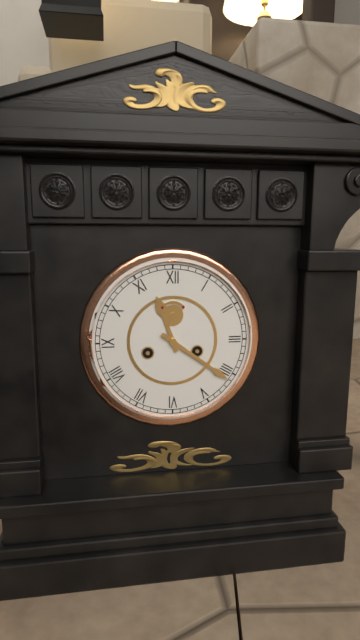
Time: {"hour": 11, "minute": 21}
